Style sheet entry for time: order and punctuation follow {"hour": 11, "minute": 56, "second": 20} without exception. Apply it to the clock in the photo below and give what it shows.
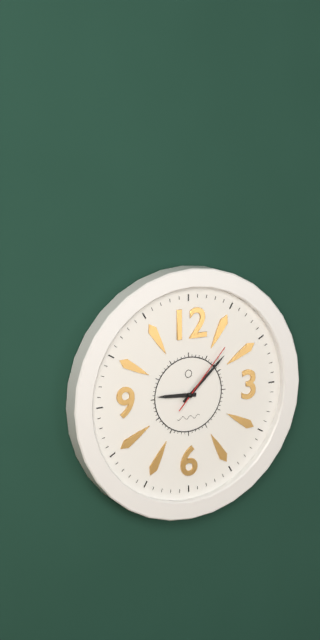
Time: {"hour": 9, "minute": 8, "second": 7}
